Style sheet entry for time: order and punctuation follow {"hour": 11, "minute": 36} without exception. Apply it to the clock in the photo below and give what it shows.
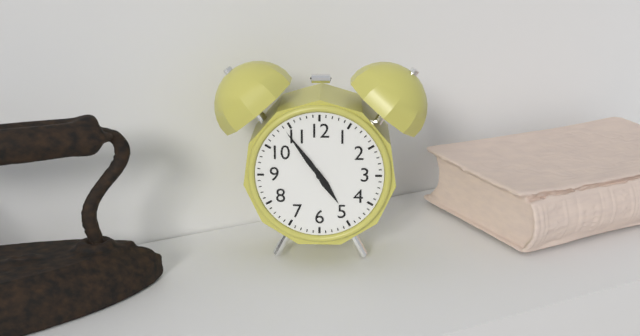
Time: {"hour": 4, "minute": 54}
